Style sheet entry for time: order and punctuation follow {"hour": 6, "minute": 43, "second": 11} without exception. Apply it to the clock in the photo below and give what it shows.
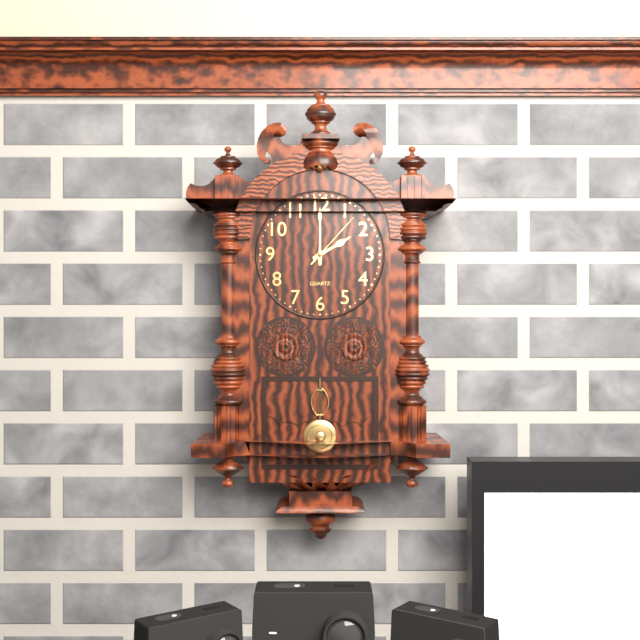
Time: {"hour": 2, "minute": 0, "second": 7}
